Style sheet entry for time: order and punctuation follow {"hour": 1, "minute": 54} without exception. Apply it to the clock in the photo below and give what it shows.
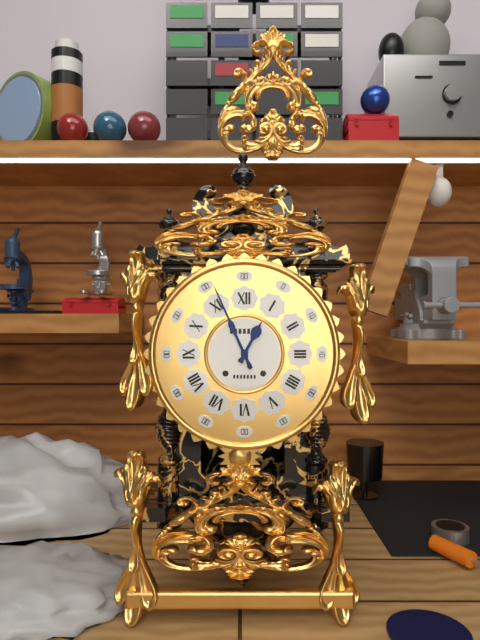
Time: {"hour": 12, "minute": 56}
